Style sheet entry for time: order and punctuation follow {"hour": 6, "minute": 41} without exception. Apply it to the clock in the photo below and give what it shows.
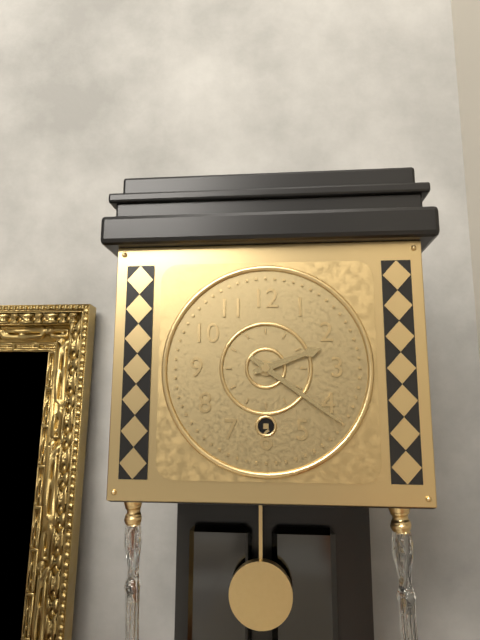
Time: {"hour": 2, "minute": 21}
